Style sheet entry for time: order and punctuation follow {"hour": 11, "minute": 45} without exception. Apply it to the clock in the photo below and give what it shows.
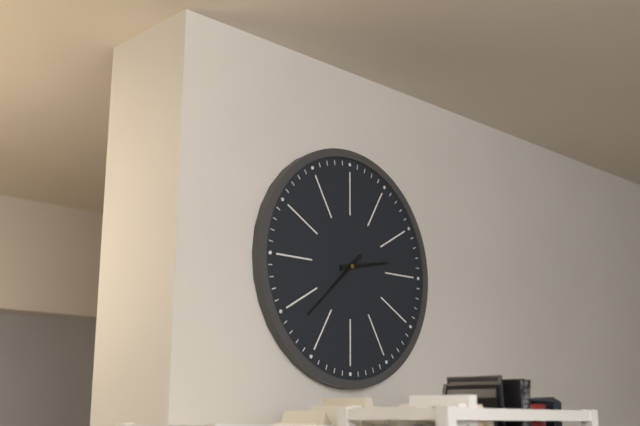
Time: {"hour": 2, "minute": 38}
